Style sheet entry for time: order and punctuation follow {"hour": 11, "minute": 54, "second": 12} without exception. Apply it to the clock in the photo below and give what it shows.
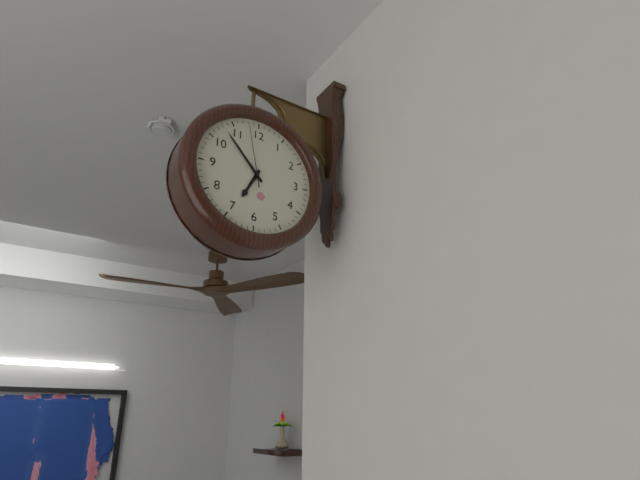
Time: {"hour": 6, "minute": 53, "second": 58}
